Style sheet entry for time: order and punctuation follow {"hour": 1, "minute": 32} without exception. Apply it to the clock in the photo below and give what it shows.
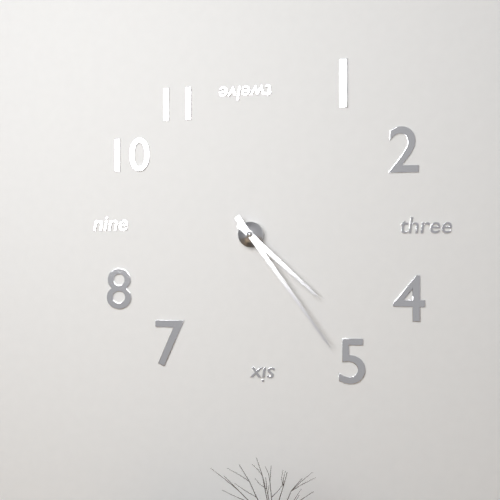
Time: {"hour": 4, "minute": 24}
